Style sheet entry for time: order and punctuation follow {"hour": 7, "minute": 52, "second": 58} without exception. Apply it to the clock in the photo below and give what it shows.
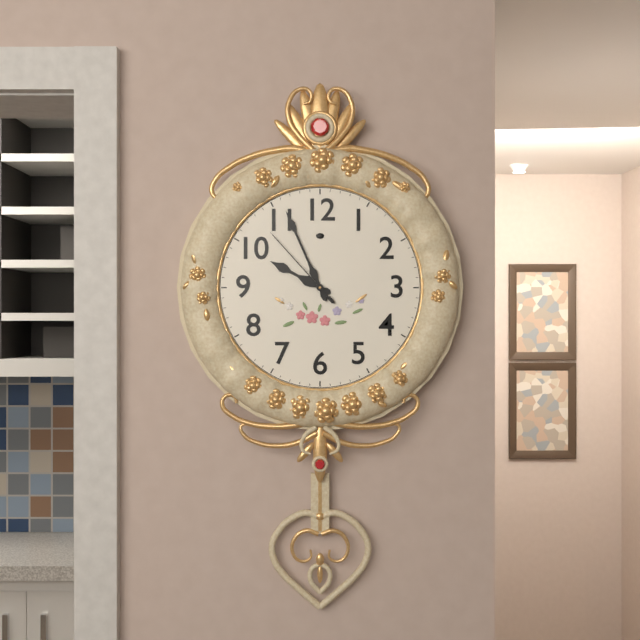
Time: {"hour": 9, "minute": 56, "second": 53}
